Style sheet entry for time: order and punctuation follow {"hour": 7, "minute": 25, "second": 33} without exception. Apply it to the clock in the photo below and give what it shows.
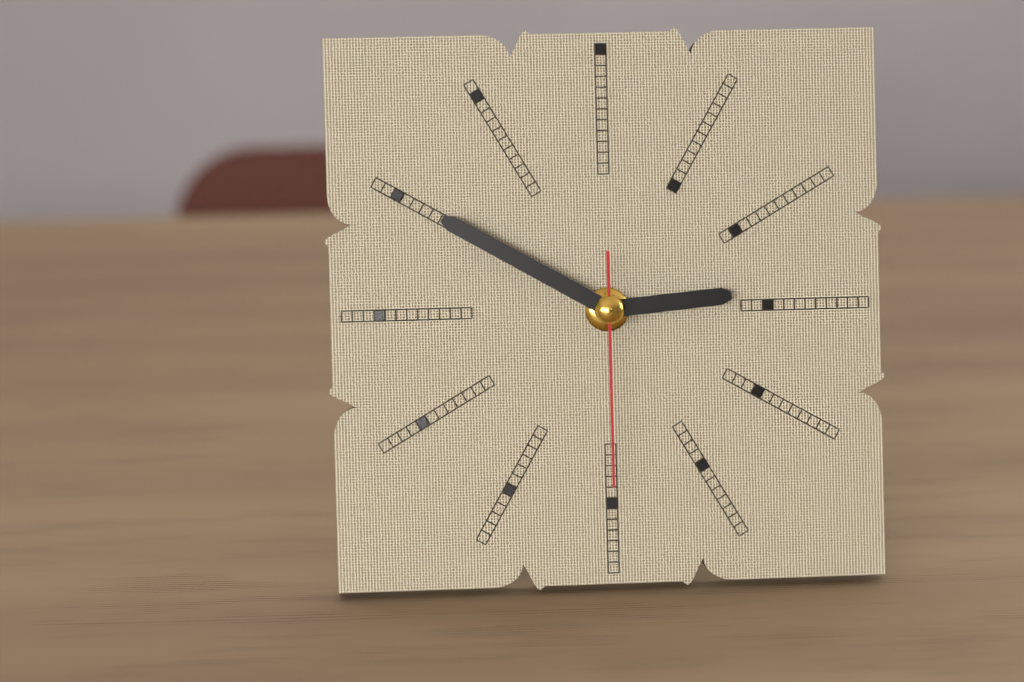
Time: {"hour": 2, "minute": 50, "second": 30}
